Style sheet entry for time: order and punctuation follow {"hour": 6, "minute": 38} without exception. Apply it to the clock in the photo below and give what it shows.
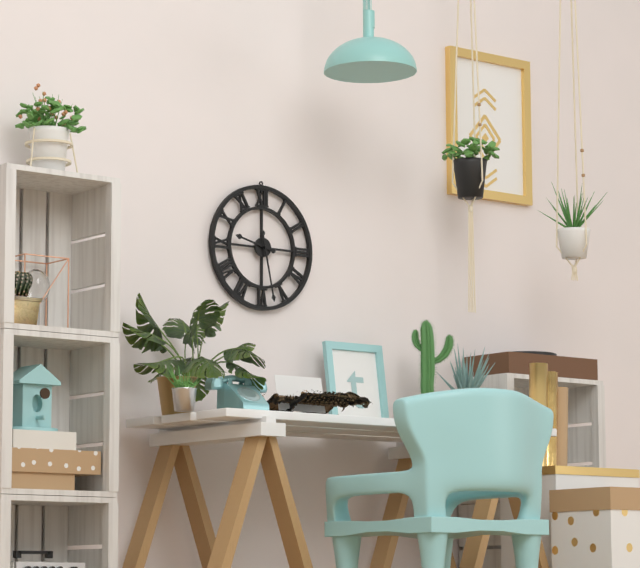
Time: {"hour": 9, "minute": 28}
